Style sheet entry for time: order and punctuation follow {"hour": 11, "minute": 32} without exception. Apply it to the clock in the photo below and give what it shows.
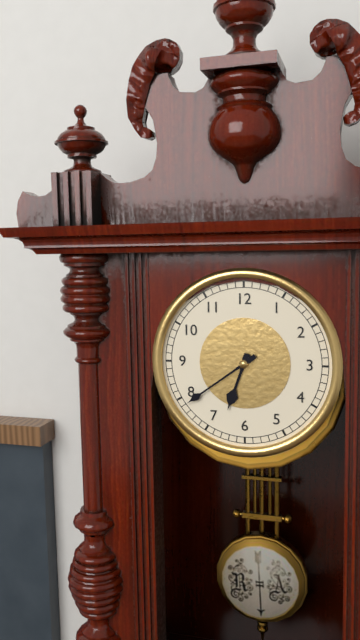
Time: {"hour": 6, "minute": 39}
